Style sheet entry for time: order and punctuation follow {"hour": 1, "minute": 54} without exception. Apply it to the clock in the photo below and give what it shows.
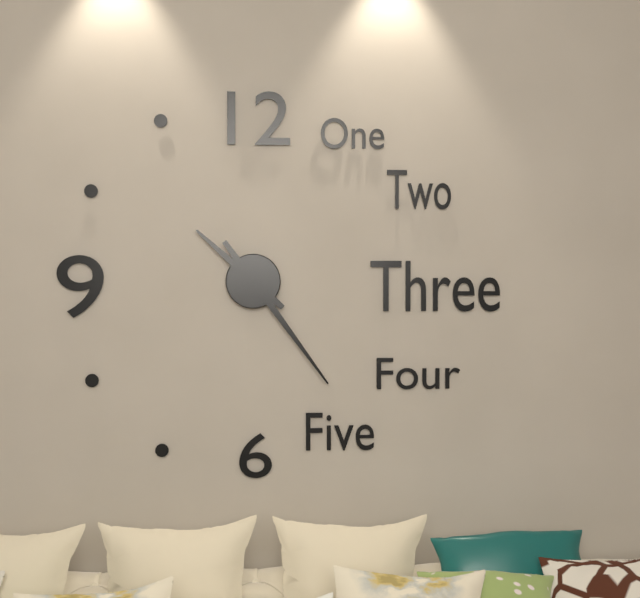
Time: {"hour": 10, "minute": 24}
